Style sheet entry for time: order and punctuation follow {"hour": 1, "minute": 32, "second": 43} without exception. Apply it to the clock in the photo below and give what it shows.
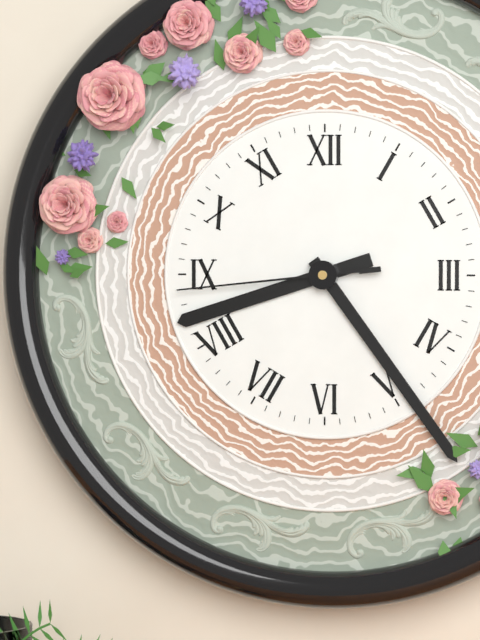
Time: {"hour": 8, "minute": 24, "second": 44}
